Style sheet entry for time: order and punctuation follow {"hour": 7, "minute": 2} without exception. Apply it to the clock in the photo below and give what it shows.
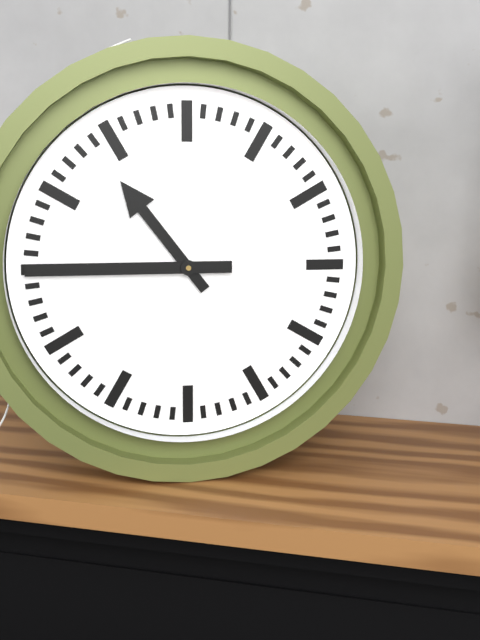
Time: {"hour": 10, "minute": 45}
